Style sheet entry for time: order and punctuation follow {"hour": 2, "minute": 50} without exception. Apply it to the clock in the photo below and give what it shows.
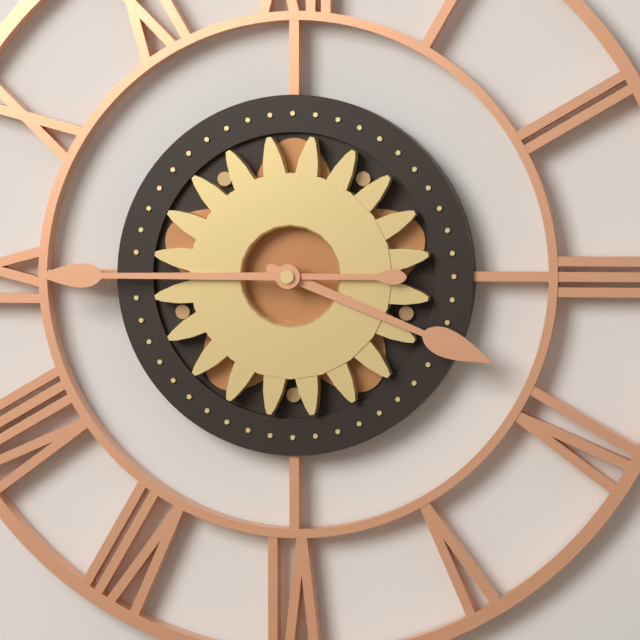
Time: {"hour": 3, "minute": 45}
